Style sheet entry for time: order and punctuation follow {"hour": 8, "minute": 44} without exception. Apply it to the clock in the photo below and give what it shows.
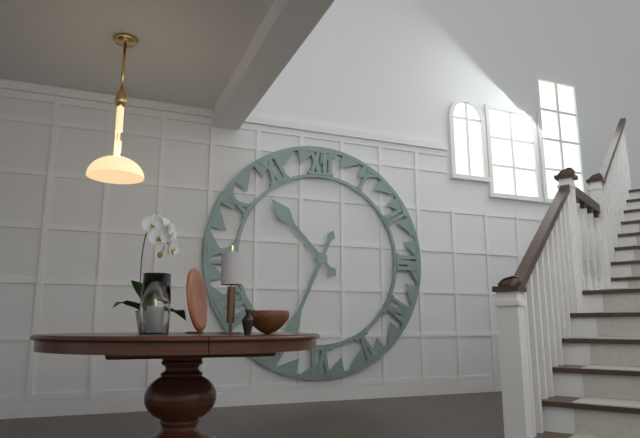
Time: {"hour": 10, "minute": 34}
